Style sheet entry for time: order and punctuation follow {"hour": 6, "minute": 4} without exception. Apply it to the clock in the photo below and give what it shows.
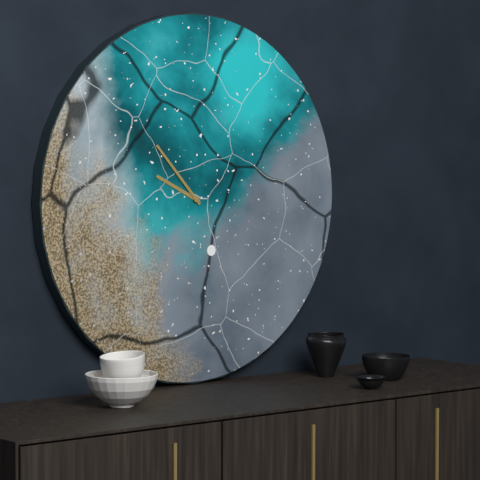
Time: {"hour": 9, "minute": 53}
